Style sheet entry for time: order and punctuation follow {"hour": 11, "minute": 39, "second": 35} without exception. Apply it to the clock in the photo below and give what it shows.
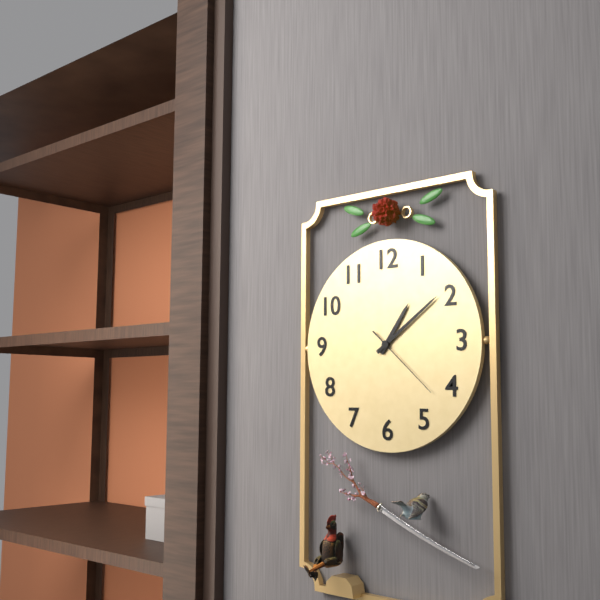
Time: {"hour": 1, "minute": 9, "second": 22}
